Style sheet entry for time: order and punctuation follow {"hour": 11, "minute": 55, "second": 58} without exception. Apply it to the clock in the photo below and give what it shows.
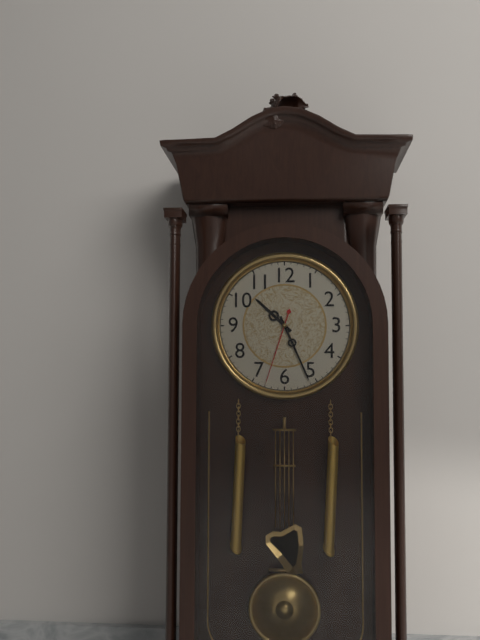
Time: {"hour": 10, "minute": 26, "second": 33}
